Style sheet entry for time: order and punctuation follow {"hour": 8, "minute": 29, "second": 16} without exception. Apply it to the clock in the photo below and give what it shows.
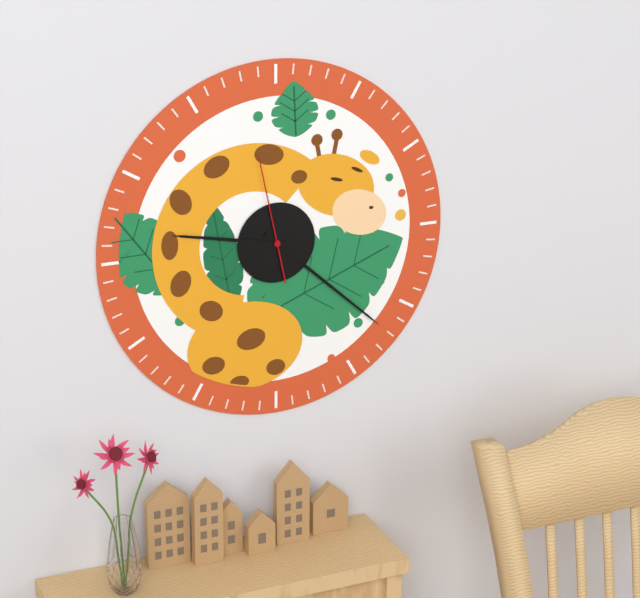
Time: {"hour": 9, "minute": 22, "second": 58}
